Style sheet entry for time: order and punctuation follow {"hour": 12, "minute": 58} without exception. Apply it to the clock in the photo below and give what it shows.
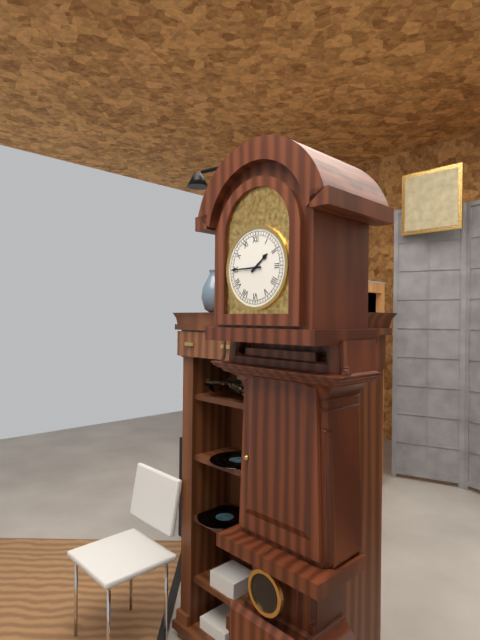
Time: {"hour": 1, "minute": 45}
